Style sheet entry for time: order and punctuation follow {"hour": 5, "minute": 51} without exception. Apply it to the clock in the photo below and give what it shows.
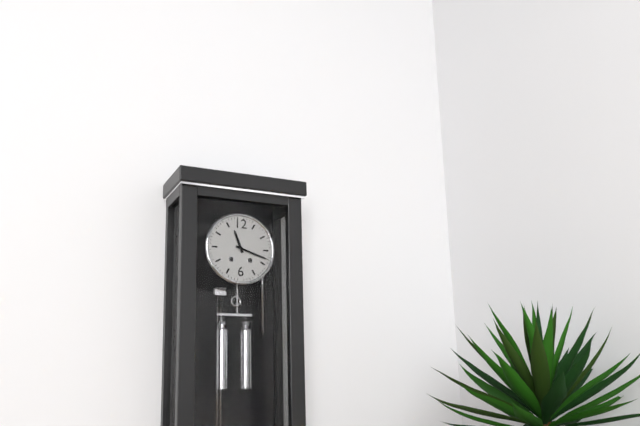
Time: {"hour": 11, "minute": 18}
